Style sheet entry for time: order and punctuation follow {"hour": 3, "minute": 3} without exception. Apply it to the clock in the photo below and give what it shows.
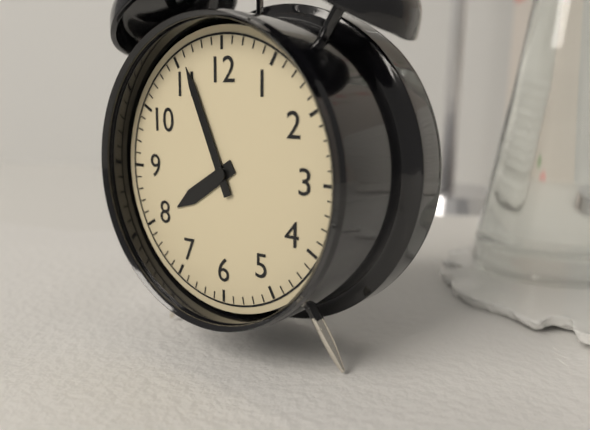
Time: {"hour": 7, "minute": 56}
